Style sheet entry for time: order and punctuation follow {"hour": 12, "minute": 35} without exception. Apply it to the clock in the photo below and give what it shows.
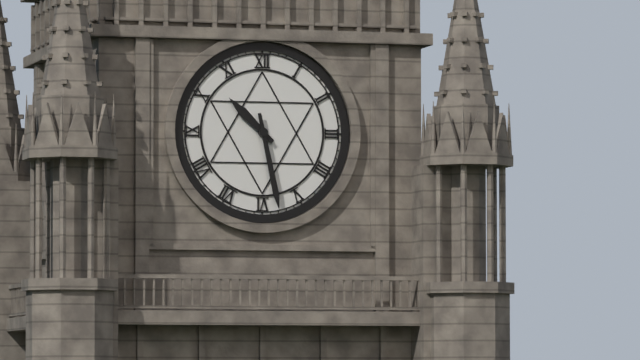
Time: {"hour": 10, "minute": 28}
